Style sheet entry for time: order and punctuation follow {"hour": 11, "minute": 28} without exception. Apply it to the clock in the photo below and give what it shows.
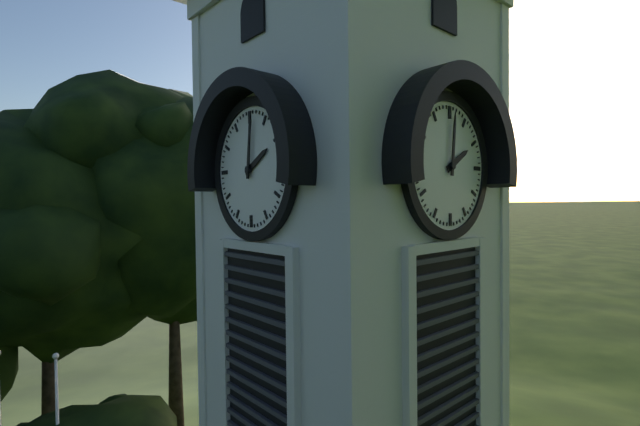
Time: {"hour": 2, "minute": 1}
